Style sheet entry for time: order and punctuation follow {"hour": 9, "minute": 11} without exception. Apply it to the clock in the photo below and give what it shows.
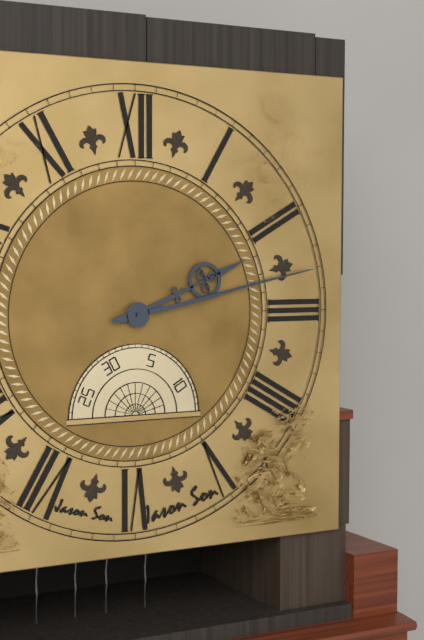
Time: {"hour": 2, "minute": 13}
